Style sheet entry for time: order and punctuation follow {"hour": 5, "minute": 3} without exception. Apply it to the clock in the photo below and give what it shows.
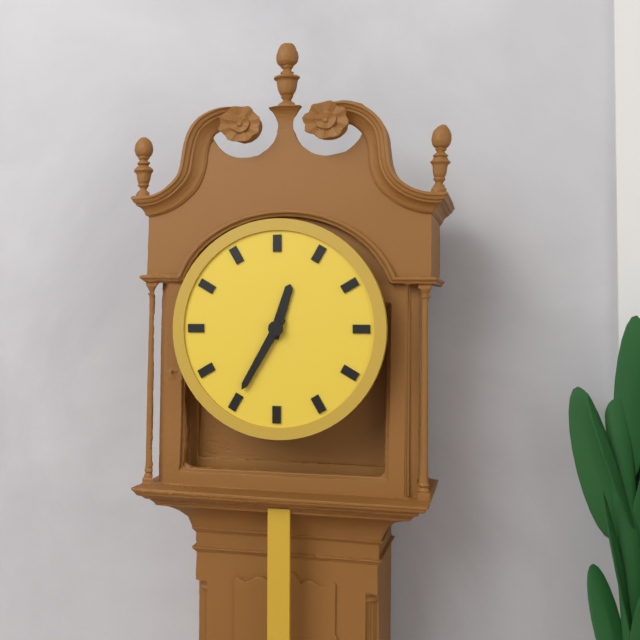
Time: {"hour": 12, "minute": 35}
